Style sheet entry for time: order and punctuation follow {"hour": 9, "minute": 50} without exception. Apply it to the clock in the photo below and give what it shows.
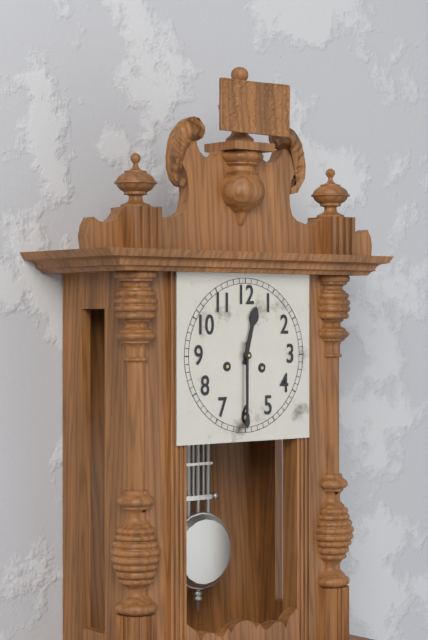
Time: {"hour": 12, "minute": 30}
